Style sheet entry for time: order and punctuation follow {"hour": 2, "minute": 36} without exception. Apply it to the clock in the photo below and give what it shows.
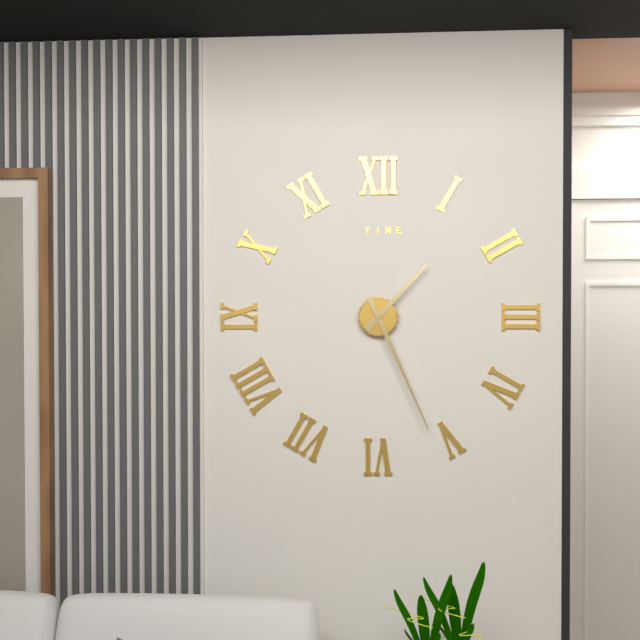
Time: {"hour": 1, "minute": 26}
